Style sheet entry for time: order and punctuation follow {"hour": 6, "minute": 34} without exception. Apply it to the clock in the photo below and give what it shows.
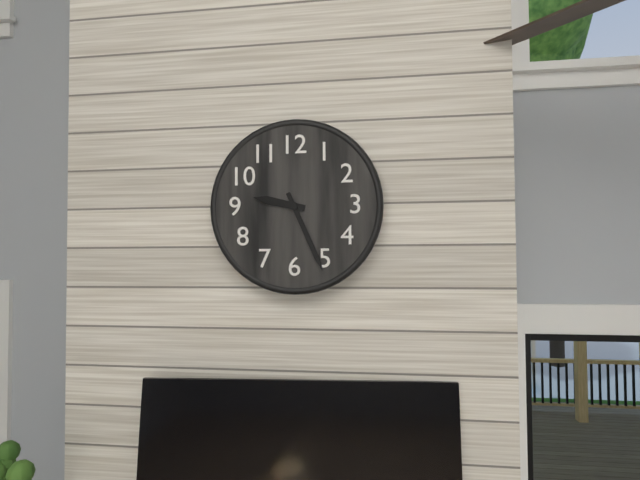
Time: {"hour": 9, "minute": 26}
